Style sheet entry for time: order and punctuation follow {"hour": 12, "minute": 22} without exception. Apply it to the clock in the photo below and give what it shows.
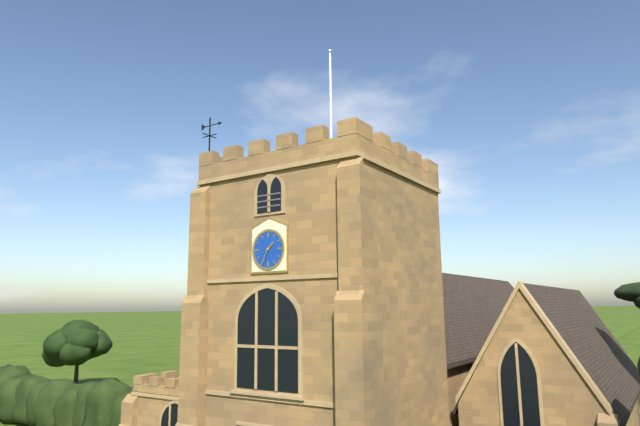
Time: {"hour": 1, "minute": 34}
